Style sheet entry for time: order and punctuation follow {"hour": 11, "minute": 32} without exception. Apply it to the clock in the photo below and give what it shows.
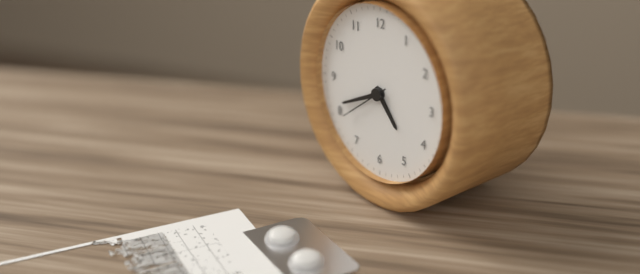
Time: {"hour": 4, "minute": 41}
